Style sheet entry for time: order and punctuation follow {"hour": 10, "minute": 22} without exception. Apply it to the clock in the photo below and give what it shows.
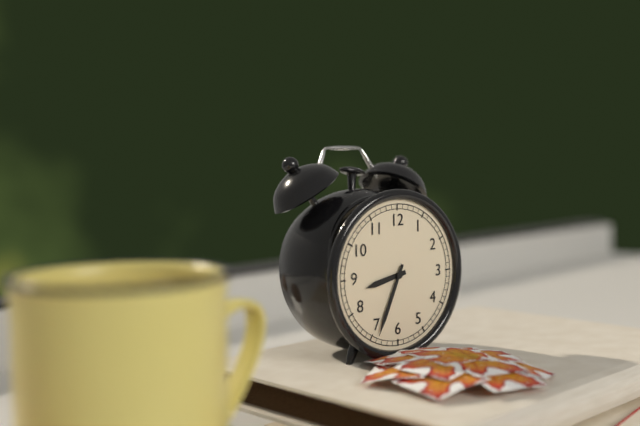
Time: {"hour": 8, "minute": 34}
